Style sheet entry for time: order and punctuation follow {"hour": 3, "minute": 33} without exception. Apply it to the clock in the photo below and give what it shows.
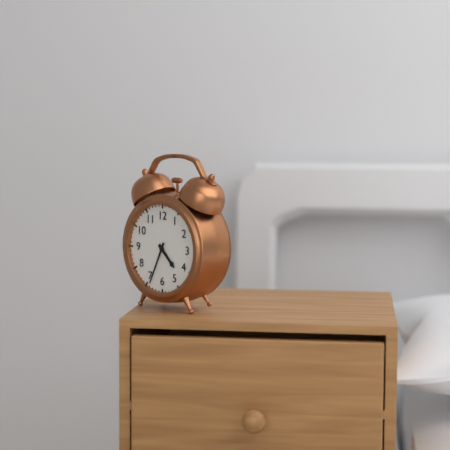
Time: {"hour": 4, "minute": 34}
